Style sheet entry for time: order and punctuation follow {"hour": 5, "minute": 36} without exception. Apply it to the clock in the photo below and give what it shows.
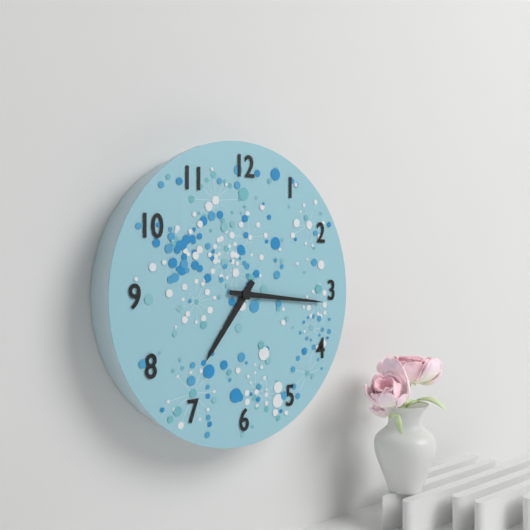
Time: {"hour": 7, "minute": 16}
